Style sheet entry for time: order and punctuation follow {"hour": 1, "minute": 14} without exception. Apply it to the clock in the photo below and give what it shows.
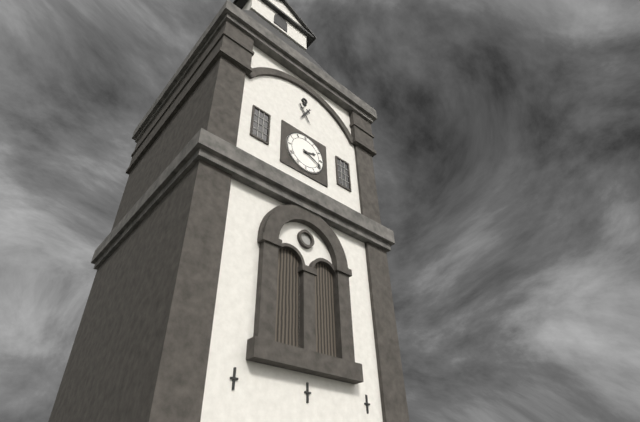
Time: {"hour": 2, "minute": 19}
